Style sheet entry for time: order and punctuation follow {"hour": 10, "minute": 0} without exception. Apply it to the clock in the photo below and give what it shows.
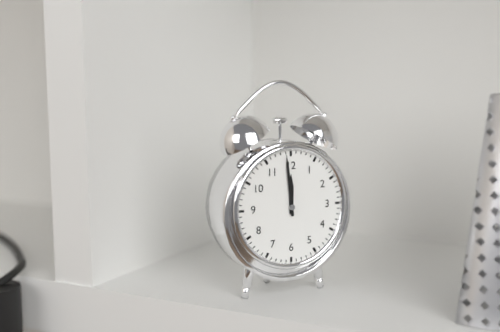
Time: {"hour": 11, "minute": 59}
